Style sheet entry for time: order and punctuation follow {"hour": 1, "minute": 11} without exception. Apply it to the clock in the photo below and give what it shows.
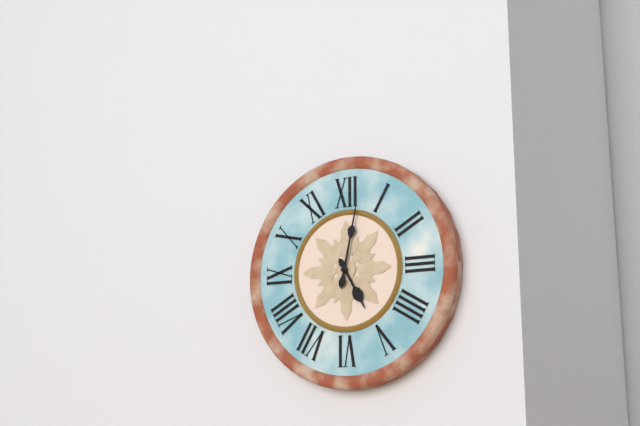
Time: {"hour": 5, "minute": 2}
